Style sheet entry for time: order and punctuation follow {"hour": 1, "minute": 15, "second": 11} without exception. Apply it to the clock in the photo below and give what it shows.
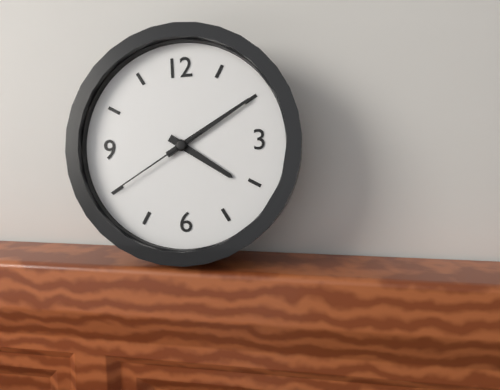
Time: {"hour": 4, "minute": 10, "second": 40}
